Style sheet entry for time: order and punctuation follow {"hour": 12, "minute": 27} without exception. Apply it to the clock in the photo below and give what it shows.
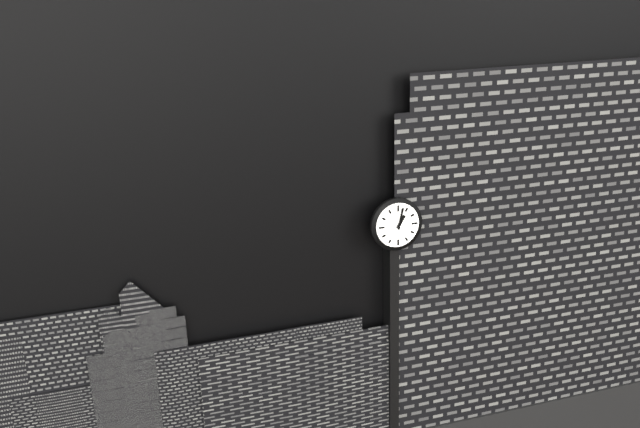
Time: {"hour": 1, "minute": 2}
